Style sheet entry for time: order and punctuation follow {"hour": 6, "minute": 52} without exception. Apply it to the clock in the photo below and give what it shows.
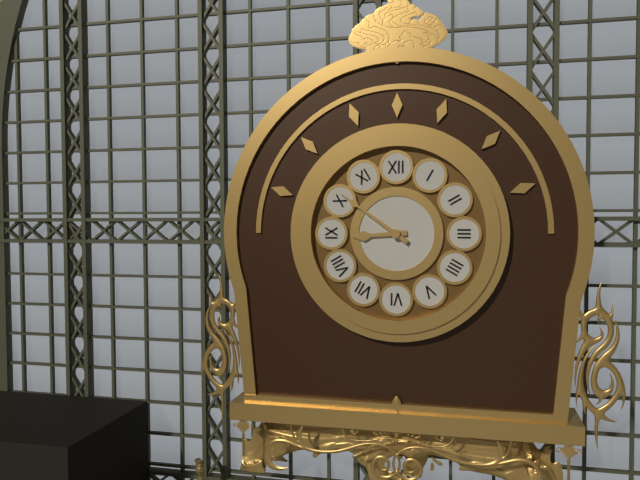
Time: {"hour": 8, "minute": 51}
